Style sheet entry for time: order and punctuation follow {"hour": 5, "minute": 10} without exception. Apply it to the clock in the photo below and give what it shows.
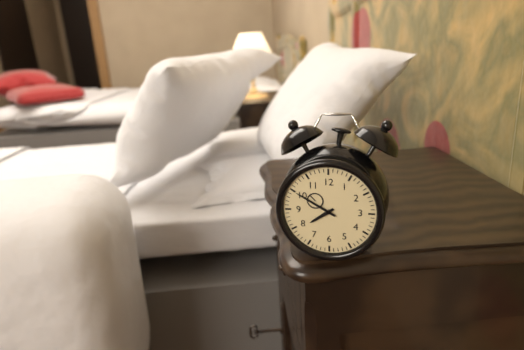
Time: {"hour": 7, "minute": 50}
